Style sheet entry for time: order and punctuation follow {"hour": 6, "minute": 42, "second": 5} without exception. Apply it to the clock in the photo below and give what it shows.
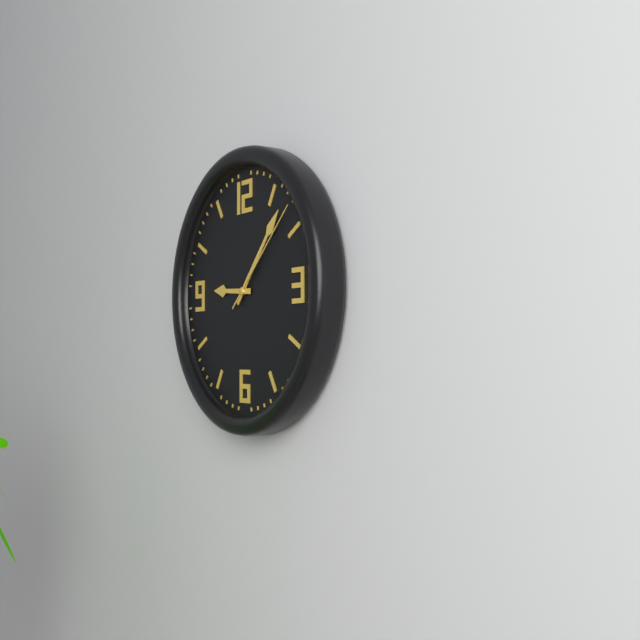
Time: {"hour": 9, "minute": 7, "second": 8}
